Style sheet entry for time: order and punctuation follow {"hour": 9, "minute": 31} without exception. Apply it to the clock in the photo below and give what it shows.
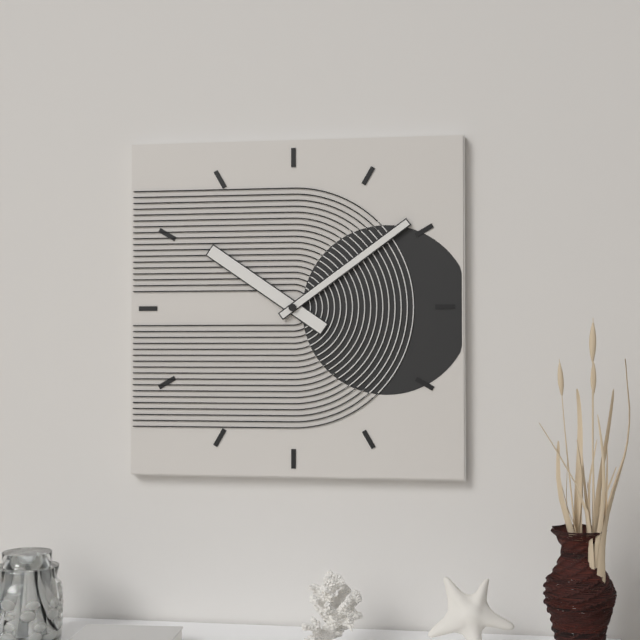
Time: {"hour": 10, "minute": 9}
